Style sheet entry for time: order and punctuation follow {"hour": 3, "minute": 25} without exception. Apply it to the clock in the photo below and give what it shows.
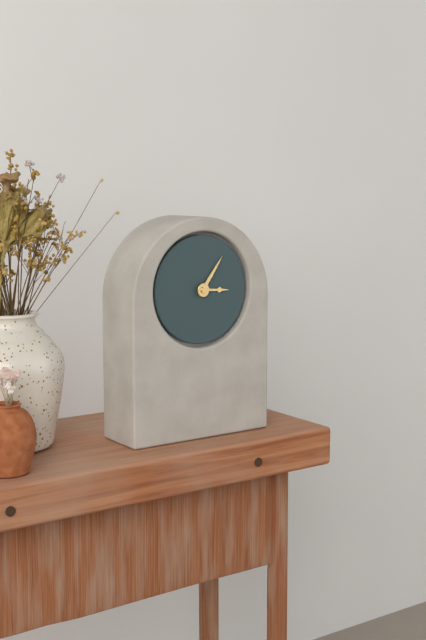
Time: {"hour": 3, "minute": 6}
